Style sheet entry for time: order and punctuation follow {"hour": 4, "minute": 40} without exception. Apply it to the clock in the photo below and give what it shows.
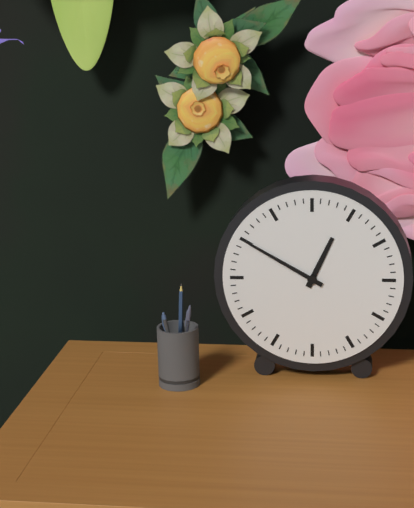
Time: {"hour": 12, "minute": 50}
